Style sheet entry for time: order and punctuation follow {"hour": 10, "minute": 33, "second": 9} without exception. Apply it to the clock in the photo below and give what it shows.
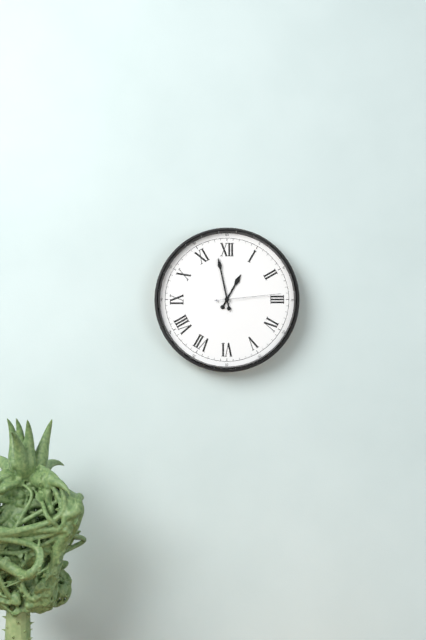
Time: {"hour": 12, "minute": 58, "second": 14}
